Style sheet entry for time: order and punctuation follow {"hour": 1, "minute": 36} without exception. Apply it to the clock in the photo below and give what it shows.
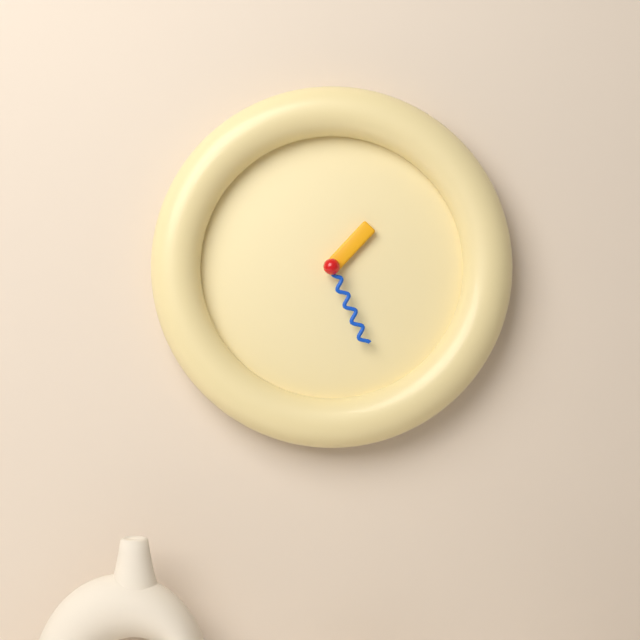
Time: {"hour": 1, "minute": 26}
